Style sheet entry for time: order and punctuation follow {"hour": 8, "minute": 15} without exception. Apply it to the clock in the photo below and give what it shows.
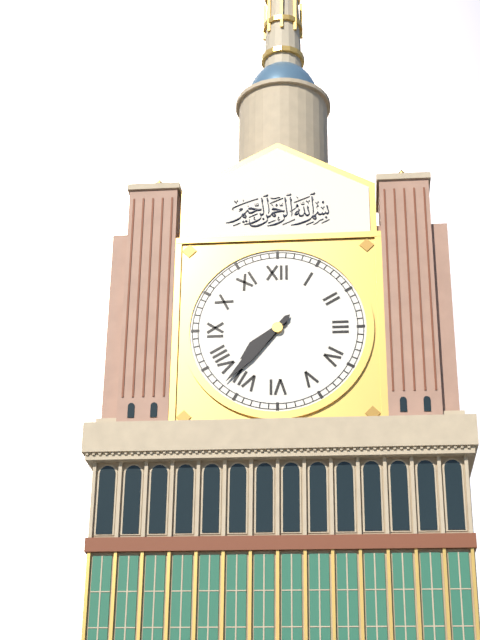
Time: {"hour": 7, "minute": 37}
